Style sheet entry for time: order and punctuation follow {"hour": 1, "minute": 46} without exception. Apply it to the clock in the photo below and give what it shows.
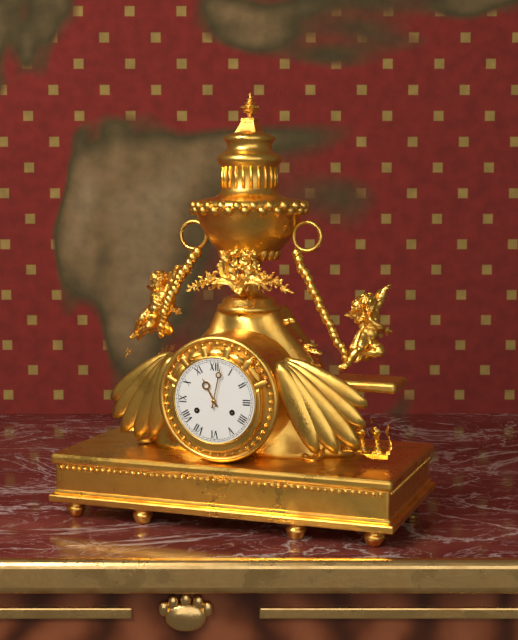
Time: {"hour": 11, "minute": 2}
